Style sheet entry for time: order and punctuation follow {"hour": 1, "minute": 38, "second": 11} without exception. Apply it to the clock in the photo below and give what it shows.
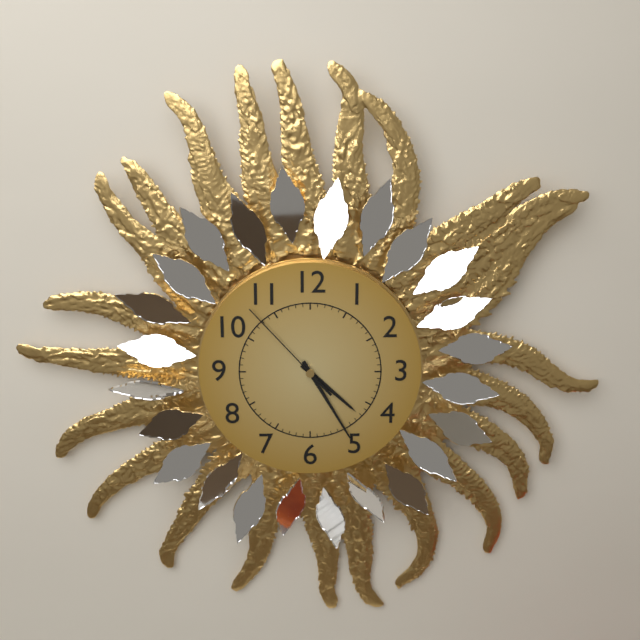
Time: {"hour": 4, "minute": 25, "second": 53}
